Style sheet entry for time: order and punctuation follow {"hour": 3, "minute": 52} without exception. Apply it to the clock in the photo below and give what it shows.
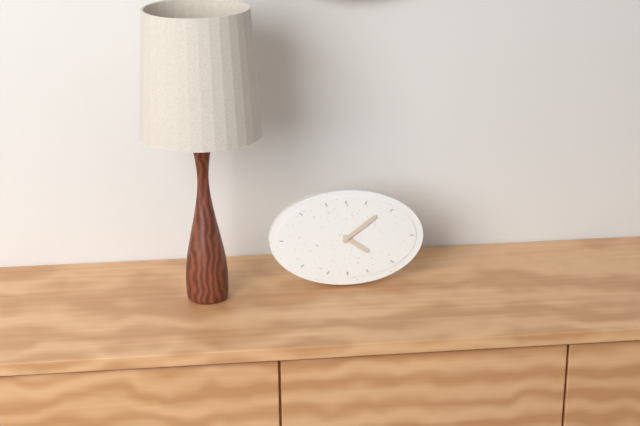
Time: {"hour": 4, "minute": 9}
